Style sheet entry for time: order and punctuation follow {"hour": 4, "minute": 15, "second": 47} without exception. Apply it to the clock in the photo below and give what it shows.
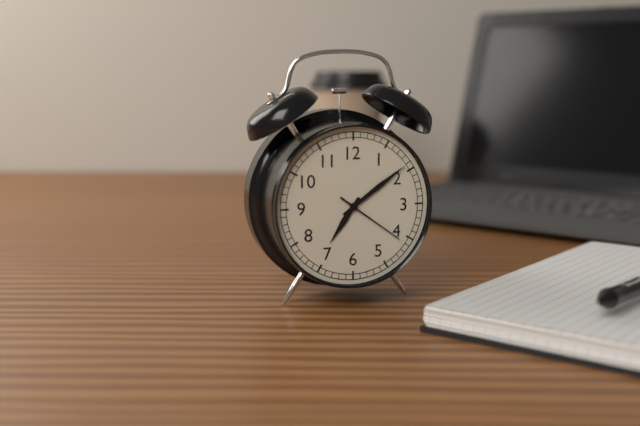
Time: {"hour": 7, "minute": 9, "second": 21}
